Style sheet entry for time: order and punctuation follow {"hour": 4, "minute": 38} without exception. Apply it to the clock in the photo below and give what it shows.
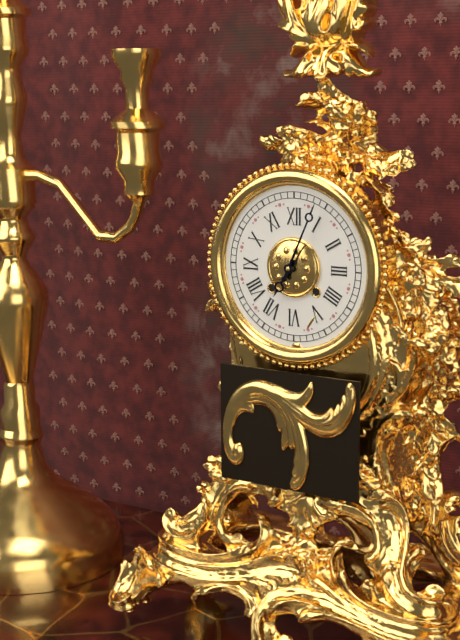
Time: {"hour": 7, "minute": 4}
